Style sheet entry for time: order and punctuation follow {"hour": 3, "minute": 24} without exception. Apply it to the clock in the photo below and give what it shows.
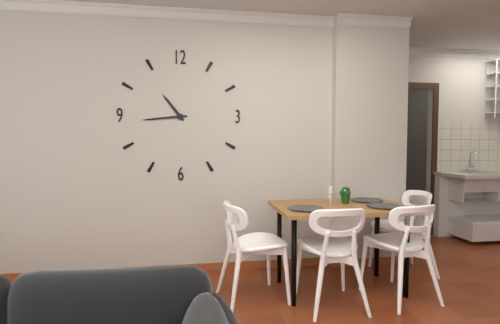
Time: {"hour": 10, "minute": 44}
